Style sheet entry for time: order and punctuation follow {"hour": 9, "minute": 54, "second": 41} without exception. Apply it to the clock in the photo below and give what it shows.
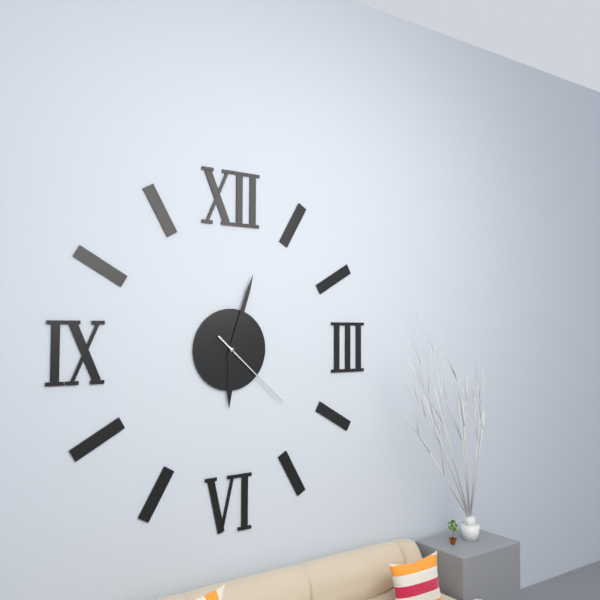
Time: {"hour": 6, "minute": 3, "second": 22}
